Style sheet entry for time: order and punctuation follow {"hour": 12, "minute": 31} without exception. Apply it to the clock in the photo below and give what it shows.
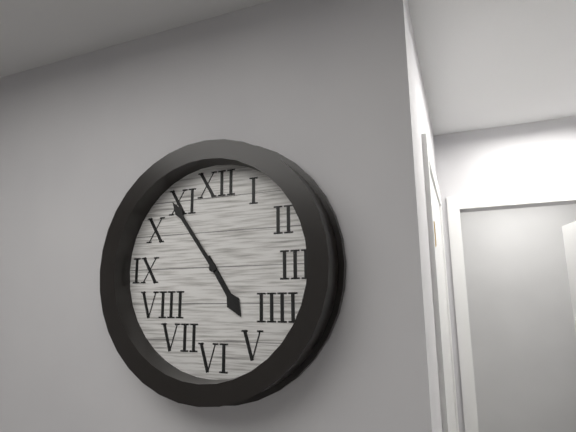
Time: {"hour": 4, "minute": 54}
